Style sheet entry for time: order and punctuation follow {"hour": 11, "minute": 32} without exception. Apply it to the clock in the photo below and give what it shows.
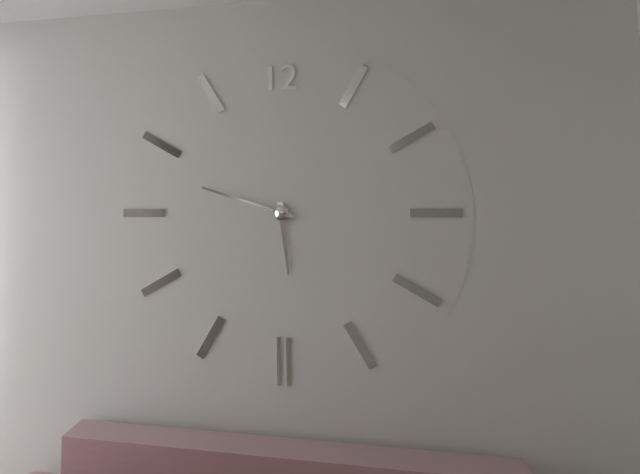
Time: {"hour": 5, "minute": 48}
